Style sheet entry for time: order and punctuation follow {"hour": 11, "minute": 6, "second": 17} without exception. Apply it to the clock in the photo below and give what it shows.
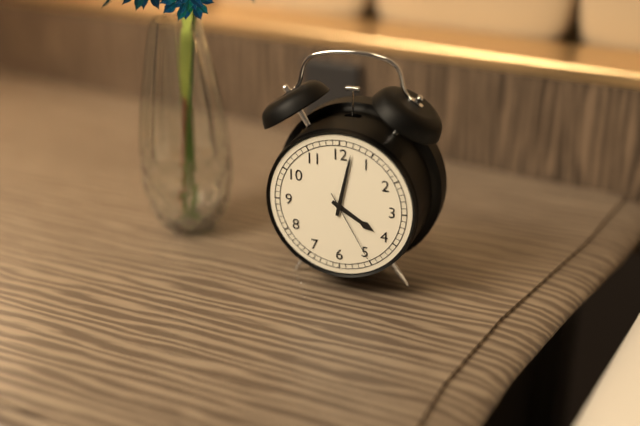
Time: {"hour": 4, "minute": 2, "second": 25}
